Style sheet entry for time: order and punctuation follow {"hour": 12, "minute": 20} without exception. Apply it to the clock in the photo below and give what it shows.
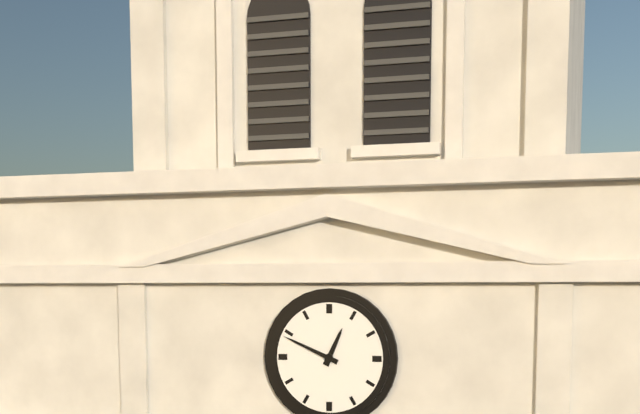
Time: {"hour": 12, "minute": 49}
